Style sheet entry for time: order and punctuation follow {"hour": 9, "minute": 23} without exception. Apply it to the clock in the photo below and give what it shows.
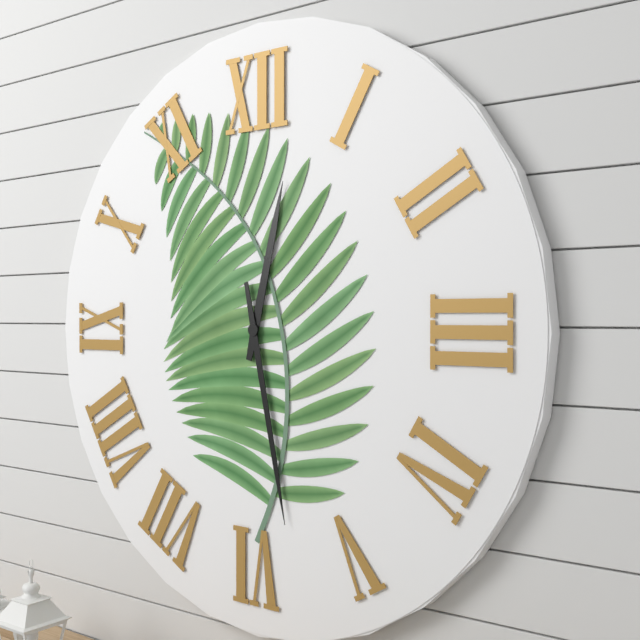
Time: {"hour": 12, "minute": 28}
